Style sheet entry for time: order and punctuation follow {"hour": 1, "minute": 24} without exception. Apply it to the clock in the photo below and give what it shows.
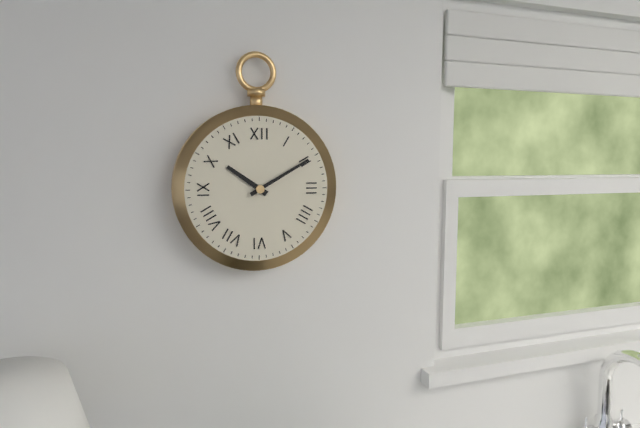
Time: {"hour": 10, "minute": 10}
